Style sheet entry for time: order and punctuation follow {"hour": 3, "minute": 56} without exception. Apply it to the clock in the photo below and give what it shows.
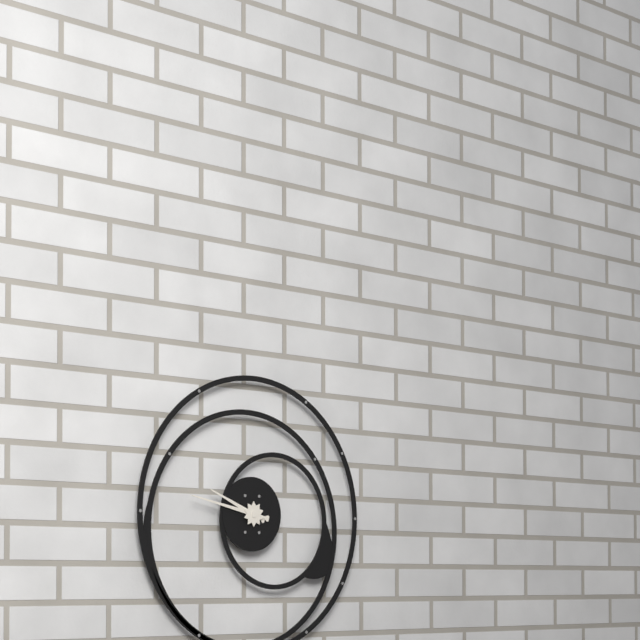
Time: {"hour": 9, "minute": 47}
